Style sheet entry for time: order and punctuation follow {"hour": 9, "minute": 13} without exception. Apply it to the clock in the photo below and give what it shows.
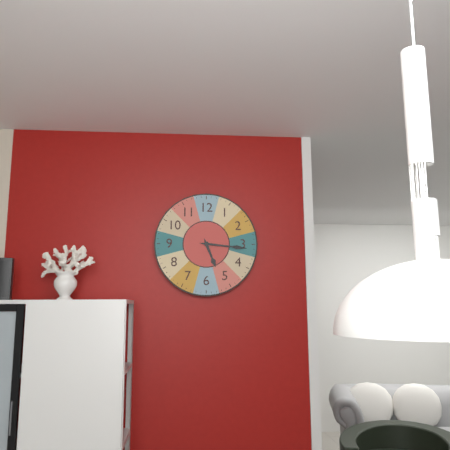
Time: {"hour": 5, "minute": 16}
